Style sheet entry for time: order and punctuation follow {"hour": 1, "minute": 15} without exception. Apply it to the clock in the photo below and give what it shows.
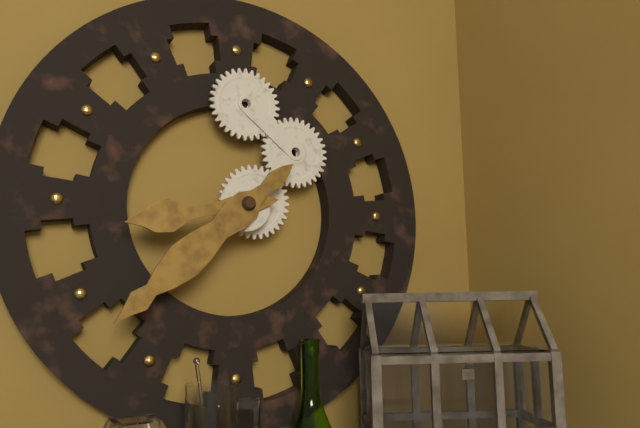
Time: {"hour": 8, "minute": 38}
